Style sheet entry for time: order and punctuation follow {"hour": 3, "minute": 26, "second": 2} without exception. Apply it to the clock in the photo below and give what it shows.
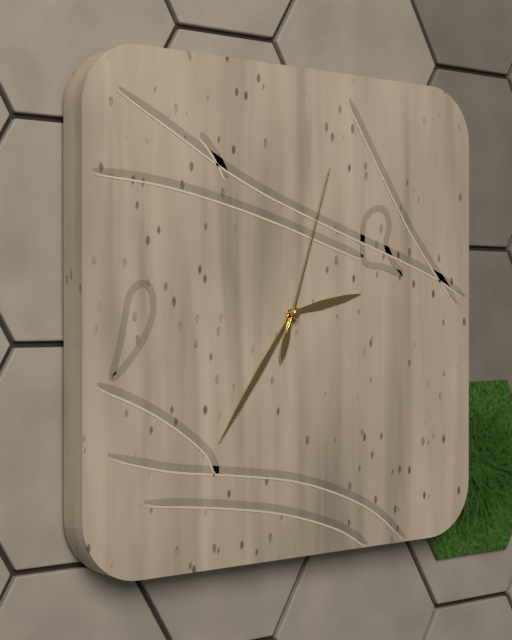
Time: {"hour": 2, "minute": 36, "second": 3}
